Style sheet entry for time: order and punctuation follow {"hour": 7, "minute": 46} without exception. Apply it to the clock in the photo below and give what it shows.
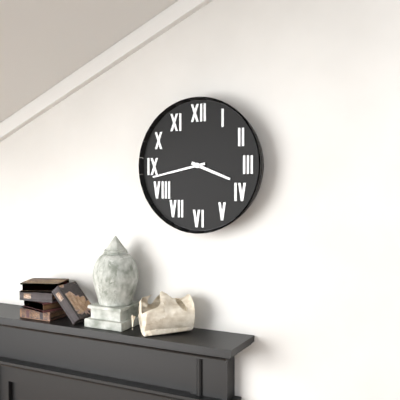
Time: {"hour": 3, "minute": 43}
